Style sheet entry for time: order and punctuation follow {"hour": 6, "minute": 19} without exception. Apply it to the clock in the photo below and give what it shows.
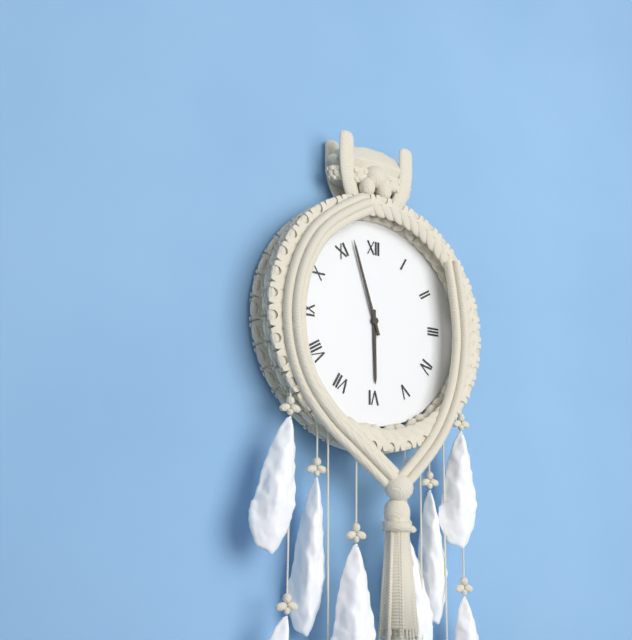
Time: {"hour": 5, "minute": 57}
